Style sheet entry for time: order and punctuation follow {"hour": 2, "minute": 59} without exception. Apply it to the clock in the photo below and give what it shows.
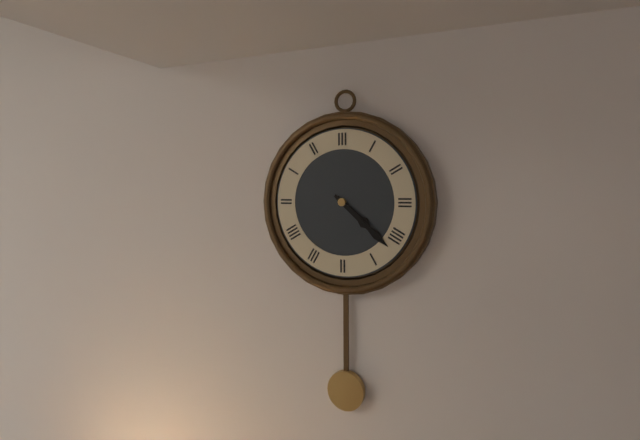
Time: {"hour": 4, "minute": 22}
